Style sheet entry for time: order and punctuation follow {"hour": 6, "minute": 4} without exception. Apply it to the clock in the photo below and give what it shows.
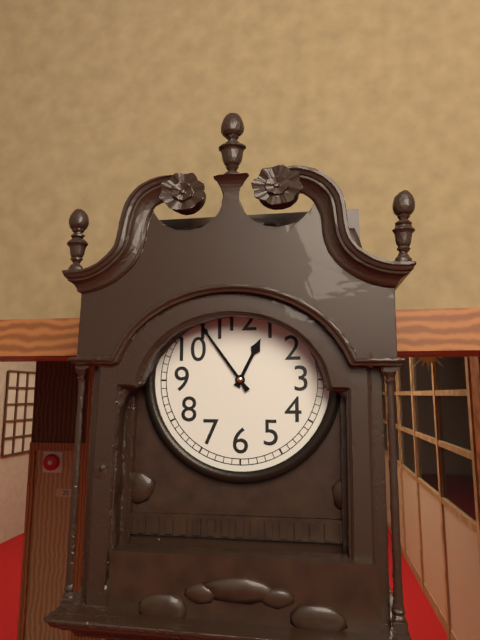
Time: {"hour": 12, "minute": 54}
